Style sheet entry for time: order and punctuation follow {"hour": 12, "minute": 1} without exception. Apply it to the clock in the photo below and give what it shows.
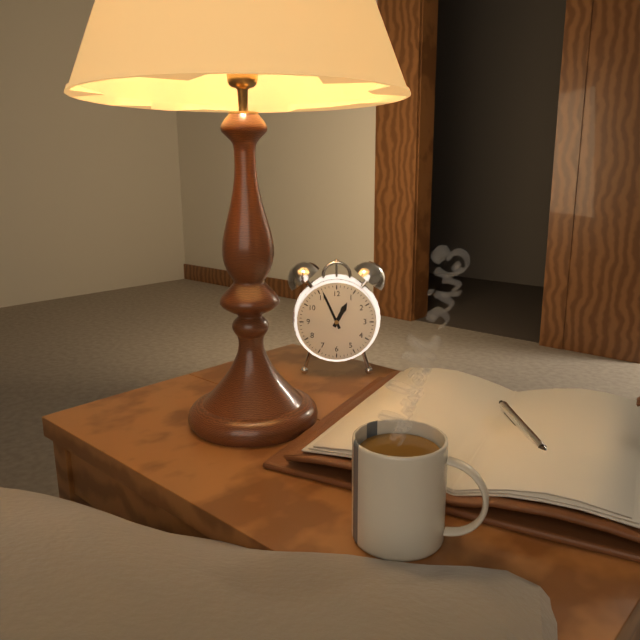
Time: {"hour": 12, "minute": 56}
